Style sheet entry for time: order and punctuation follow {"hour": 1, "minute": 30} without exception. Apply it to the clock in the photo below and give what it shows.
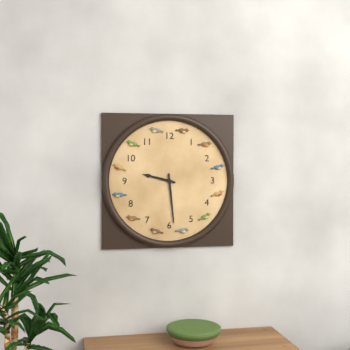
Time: {"hour": 9, "minute": 29}
